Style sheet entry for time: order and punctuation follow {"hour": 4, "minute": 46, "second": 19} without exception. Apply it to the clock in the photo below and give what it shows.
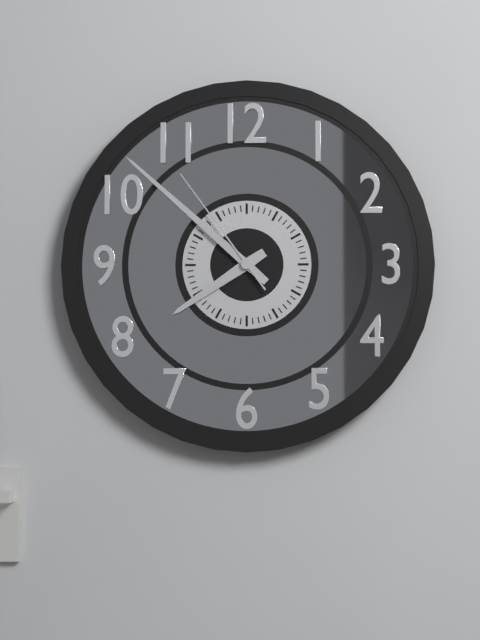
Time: {"hour": 7, "minute": 52, "second": 54}
